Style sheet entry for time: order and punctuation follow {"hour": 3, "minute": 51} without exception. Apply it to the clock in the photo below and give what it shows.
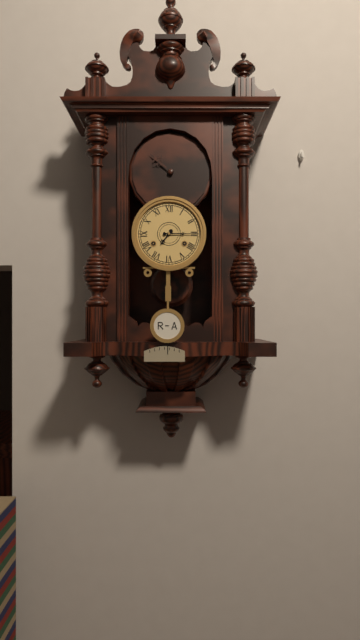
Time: {"hour": 7, "minute": 15}
